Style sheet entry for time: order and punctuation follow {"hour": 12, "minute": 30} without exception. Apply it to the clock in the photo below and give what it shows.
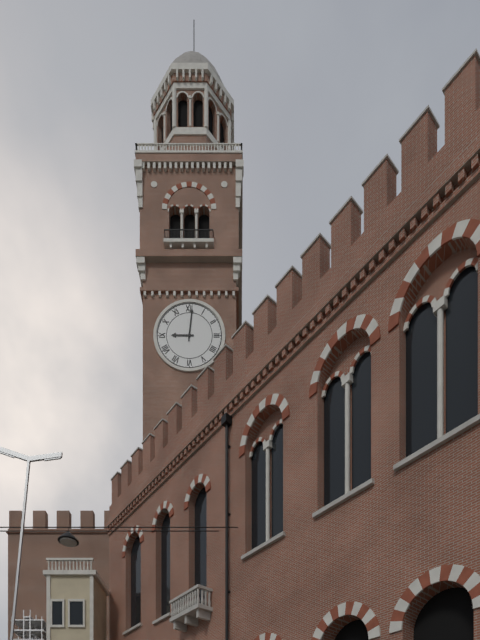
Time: {"hour": 9, "minute": 1}
